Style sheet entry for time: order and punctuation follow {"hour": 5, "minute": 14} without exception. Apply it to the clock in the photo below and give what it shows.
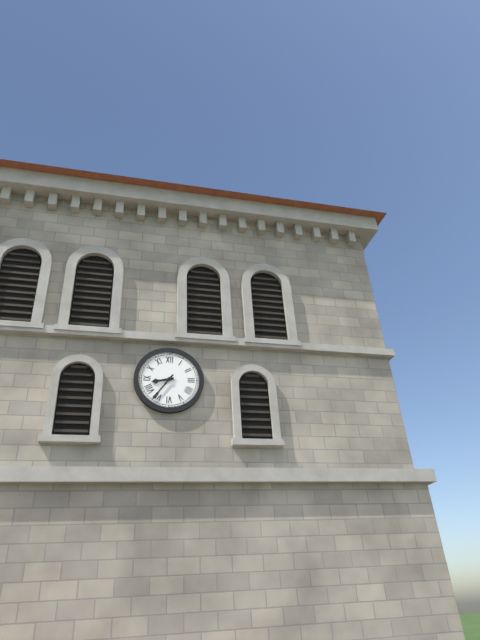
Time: {"hour": 8, "minute": 36}
